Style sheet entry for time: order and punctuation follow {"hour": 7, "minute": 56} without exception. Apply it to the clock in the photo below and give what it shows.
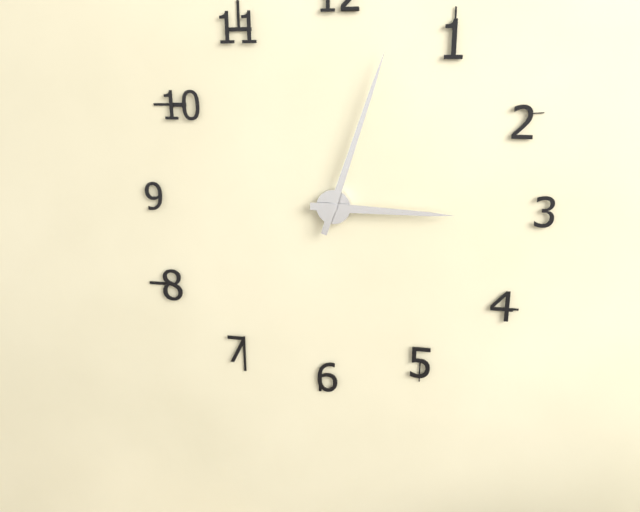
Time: {"hour": 3, "minute": 3}
